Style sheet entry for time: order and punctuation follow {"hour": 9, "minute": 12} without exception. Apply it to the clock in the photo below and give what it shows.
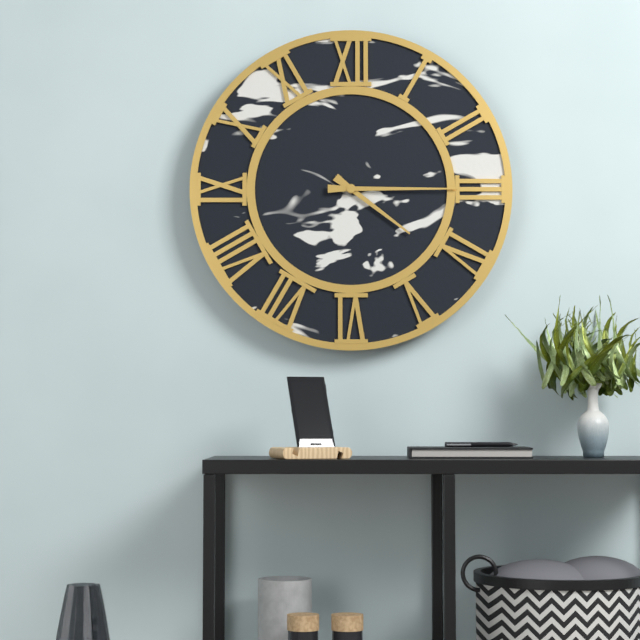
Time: {"hour": 4, "minute": 15}
